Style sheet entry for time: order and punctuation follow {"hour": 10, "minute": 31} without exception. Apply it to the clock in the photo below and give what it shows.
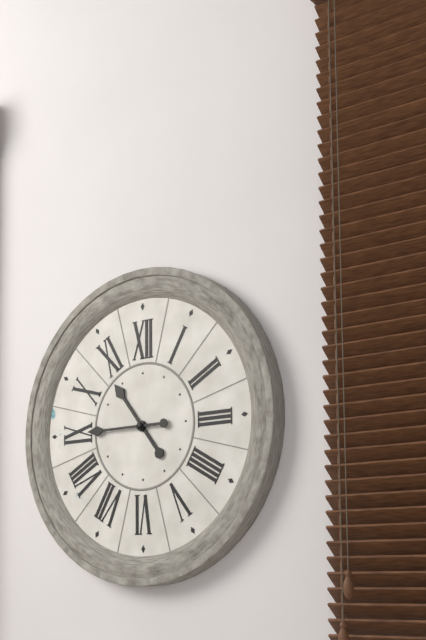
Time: {"hour": 10, "minute": 45}
